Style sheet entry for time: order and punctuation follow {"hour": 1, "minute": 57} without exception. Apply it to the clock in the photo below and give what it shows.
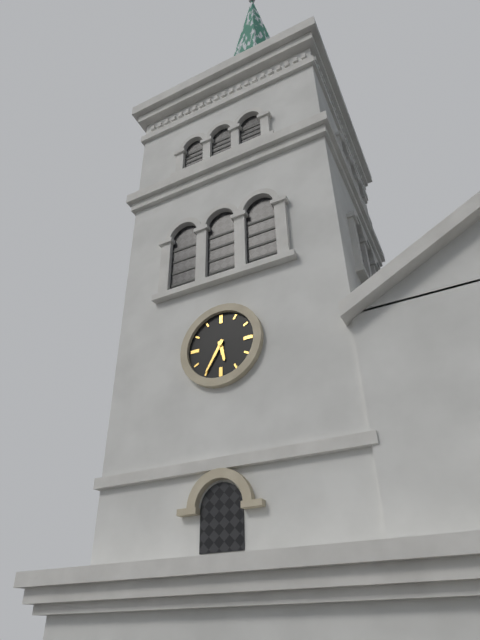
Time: {"hour": 5, "minute": 35}
